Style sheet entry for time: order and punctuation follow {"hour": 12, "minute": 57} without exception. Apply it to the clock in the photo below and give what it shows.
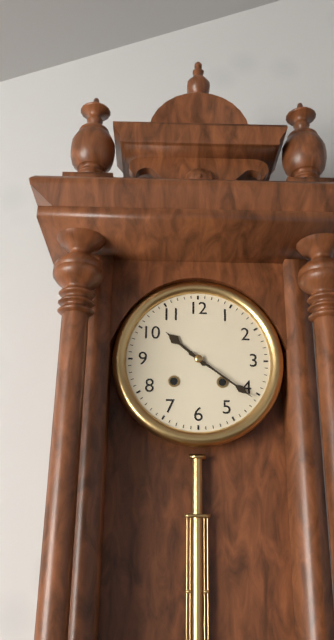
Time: {"hour": 10, "minute": 21}
